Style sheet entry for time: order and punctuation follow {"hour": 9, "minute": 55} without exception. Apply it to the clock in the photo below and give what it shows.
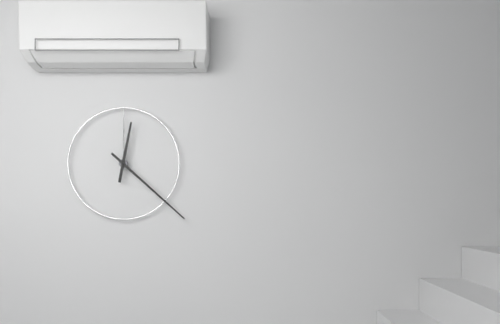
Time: {"hour": 12, "minute": 22}
